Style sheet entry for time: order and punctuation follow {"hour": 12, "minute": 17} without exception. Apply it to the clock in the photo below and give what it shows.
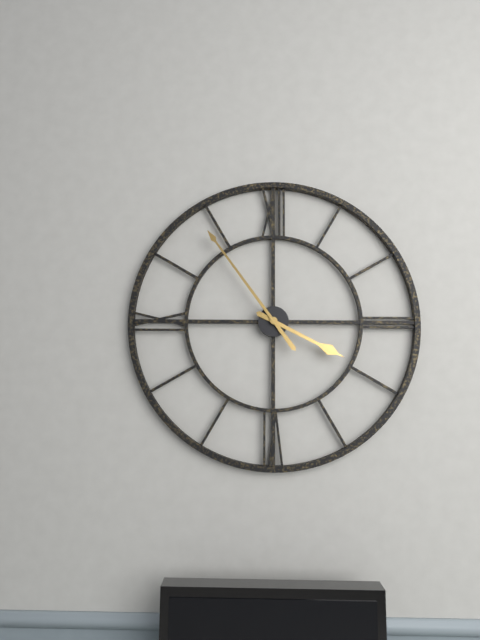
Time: {"hour": 3, "minute": 54}
